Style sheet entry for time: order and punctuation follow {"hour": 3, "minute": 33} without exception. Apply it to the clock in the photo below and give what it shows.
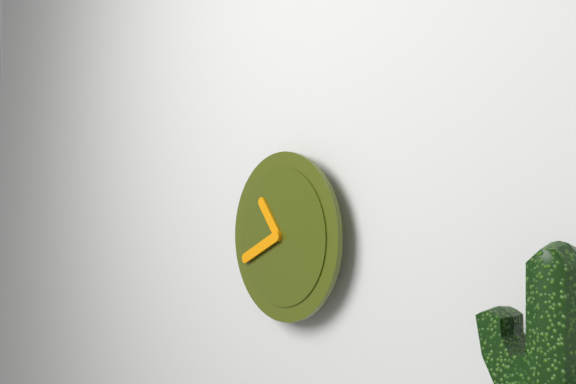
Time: {"hour": 10, "minute": 41}
